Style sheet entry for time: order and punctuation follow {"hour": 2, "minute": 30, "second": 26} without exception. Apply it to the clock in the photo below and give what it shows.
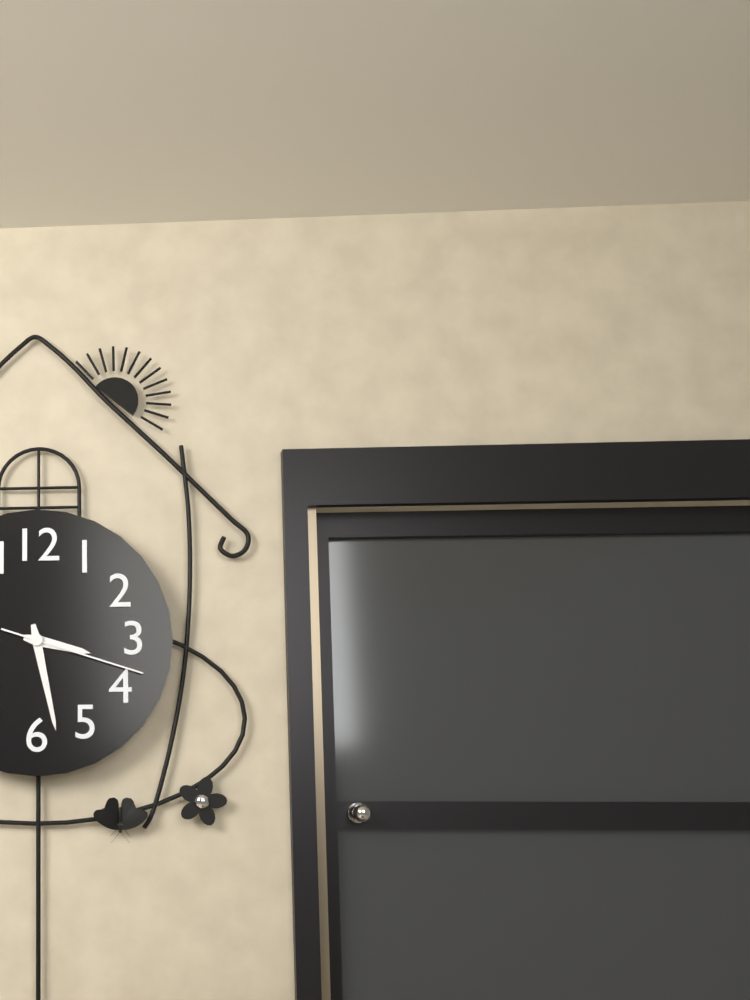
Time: {"hour": 3, "minute": 28, "second": 18}
